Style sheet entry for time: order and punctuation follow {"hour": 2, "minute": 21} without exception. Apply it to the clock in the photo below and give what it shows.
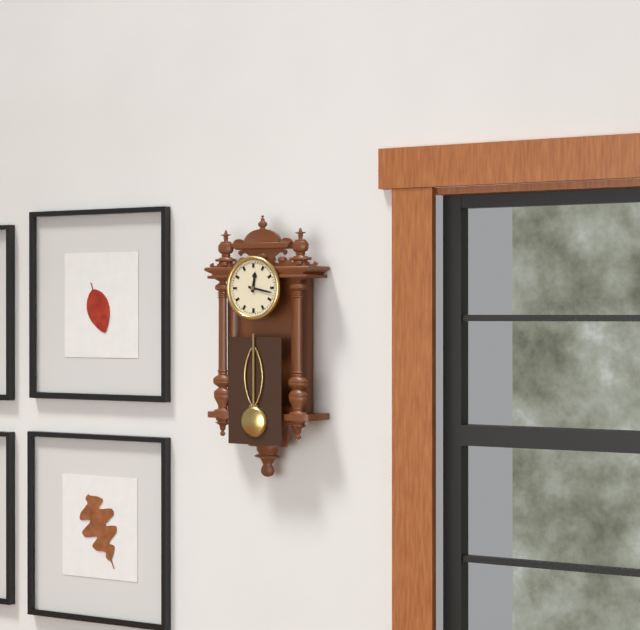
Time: {"hour": 12, "minute": 17}
